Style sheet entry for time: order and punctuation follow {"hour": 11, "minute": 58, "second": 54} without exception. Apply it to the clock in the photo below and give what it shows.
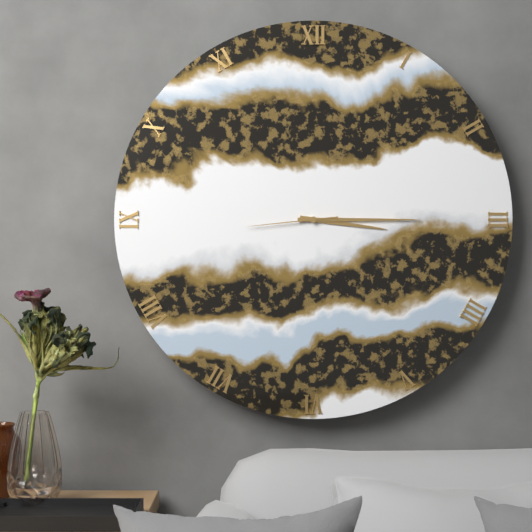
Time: {"hour": 3, "minute": 15, "second": 44}
